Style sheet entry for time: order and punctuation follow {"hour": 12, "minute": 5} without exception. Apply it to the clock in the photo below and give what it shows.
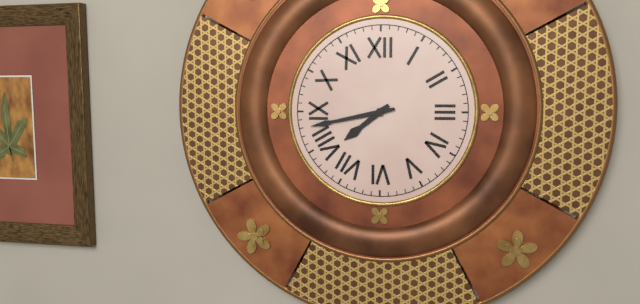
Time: {"hour": 7, "minute": 43}
